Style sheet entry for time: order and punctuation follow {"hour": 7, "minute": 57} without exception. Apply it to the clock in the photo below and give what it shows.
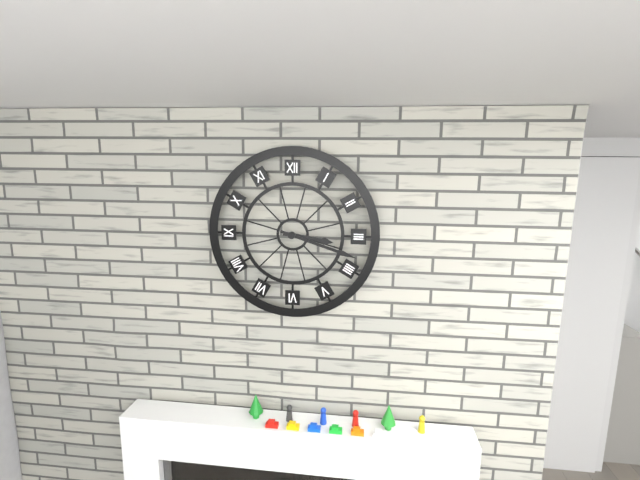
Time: {"hour": 3, "minute": 18}
